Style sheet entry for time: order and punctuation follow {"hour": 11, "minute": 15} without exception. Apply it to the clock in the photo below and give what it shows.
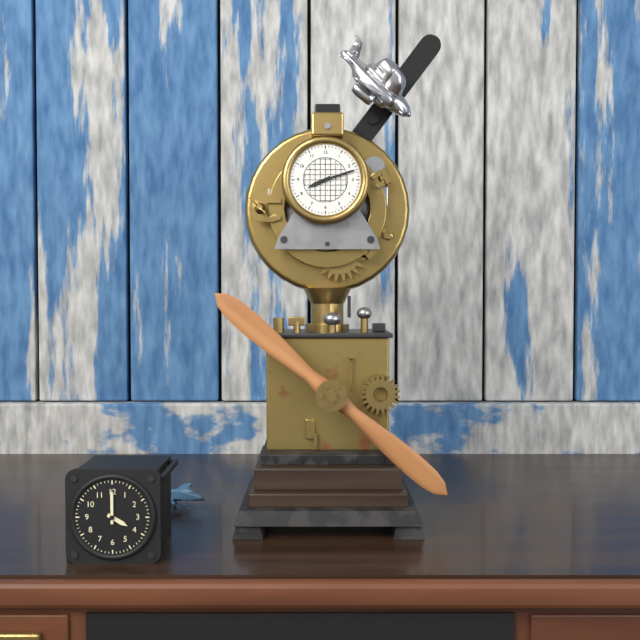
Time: {"hour": 8, "minute": 12}
